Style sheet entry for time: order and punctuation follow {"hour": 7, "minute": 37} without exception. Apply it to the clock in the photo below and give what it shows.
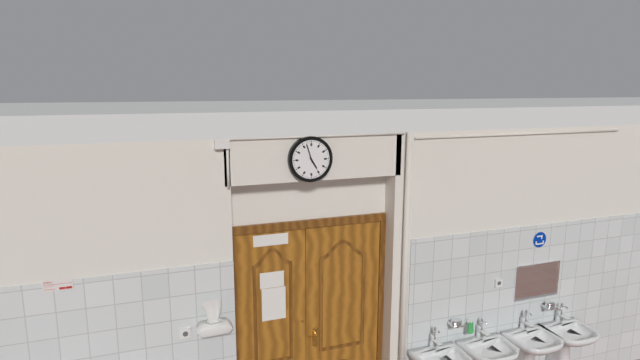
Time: {"hour": 4, "minute": 57}
